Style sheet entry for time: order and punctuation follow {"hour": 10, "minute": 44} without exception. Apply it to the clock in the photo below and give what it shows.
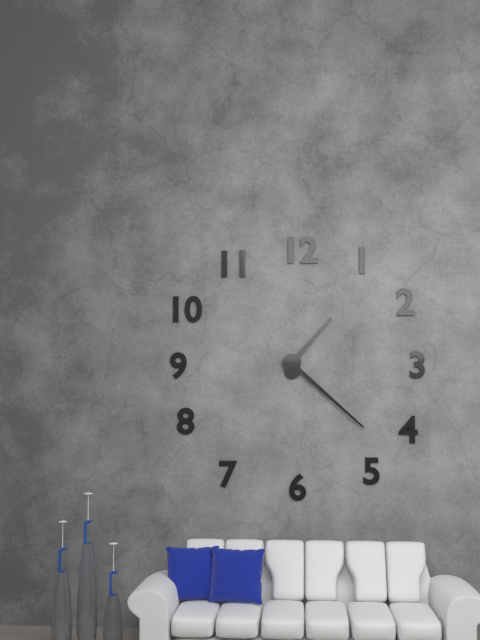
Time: {"hour": 1, "minute": 22}
